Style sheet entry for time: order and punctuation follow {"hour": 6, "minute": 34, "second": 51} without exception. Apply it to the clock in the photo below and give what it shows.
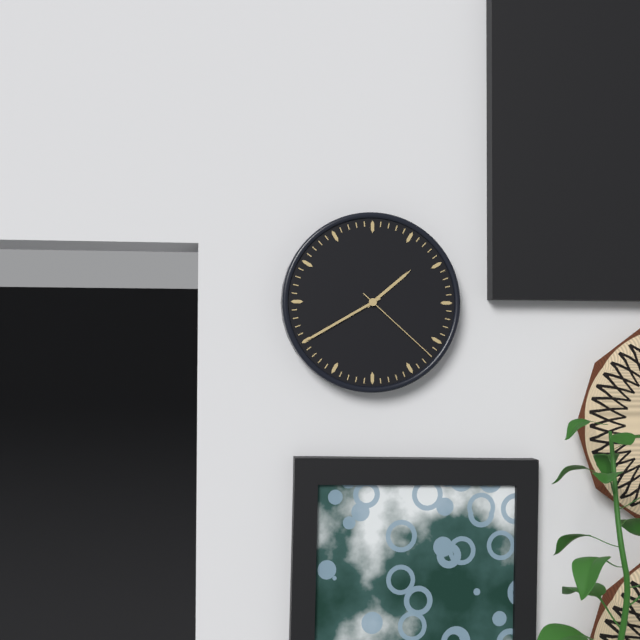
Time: {"hour": 1, "minute": 40, "second": 22}
